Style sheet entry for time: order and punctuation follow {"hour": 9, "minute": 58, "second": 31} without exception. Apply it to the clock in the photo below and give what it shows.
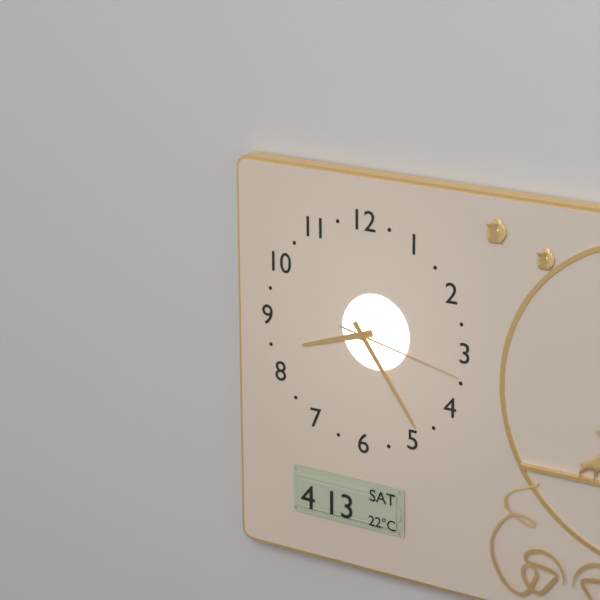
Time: {"hour": 8, "minute": 24, "second": 17}
